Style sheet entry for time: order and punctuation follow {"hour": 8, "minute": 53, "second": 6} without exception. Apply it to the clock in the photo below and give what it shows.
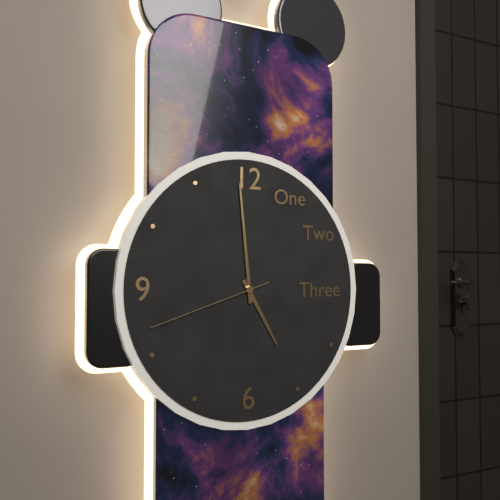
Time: {"hour": 4, "minute": 59, "second": 42}
